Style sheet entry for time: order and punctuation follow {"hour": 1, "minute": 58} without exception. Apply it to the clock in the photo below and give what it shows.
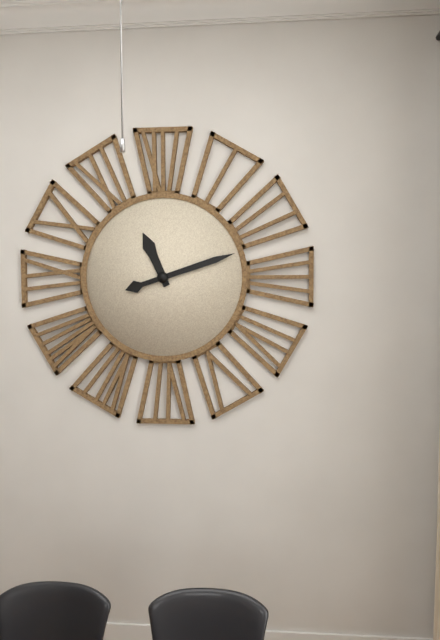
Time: {"hour": 11, "minute": 12}
